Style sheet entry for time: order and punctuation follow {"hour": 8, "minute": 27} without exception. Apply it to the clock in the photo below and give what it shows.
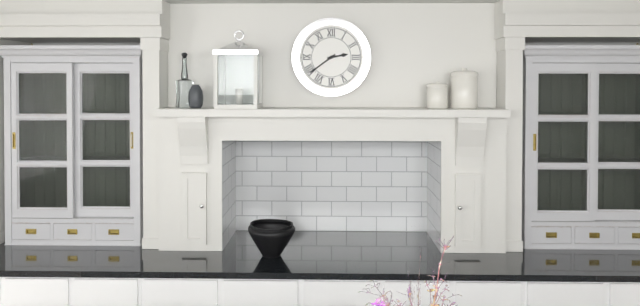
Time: {"hour": 2, "minute": 39}
